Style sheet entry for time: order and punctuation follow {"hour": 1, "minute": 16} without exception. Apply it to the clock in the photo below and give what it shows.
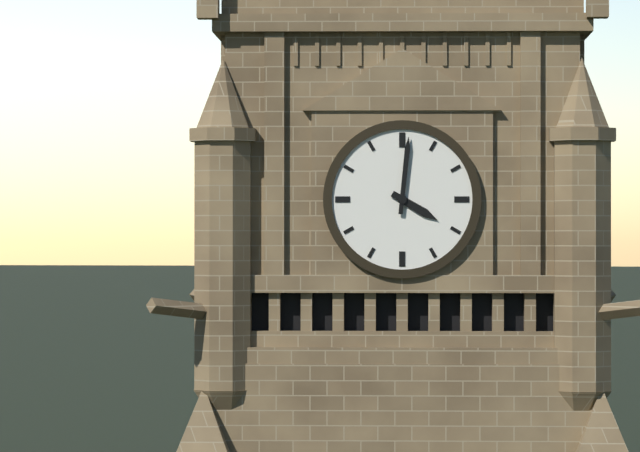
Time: {"hour": 4, "minute": 1}
